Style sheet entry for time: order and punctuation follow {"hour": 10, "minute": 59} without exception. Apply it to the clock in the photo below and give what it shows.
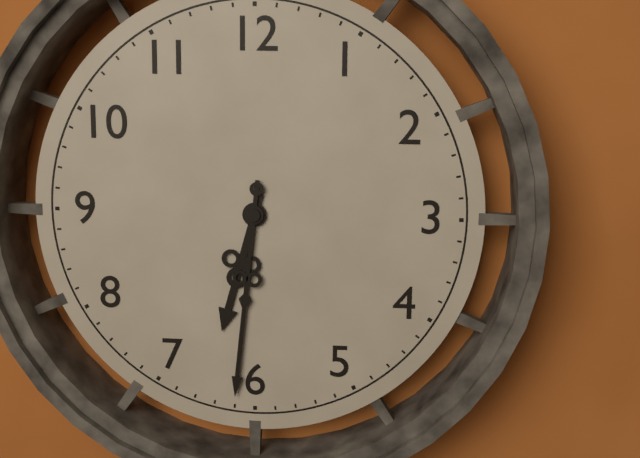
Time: {"hour": 6, "minute": 31}
